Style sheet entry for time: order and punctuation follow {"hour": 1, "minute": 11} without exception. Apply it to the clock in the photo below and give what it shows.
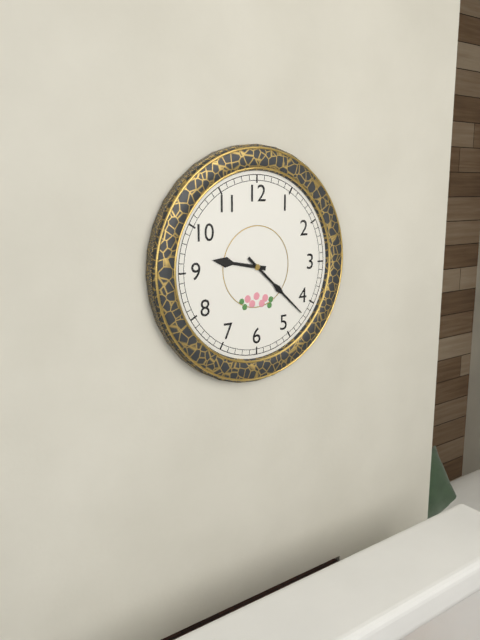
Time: {"hour": 9, "minute": 22}
